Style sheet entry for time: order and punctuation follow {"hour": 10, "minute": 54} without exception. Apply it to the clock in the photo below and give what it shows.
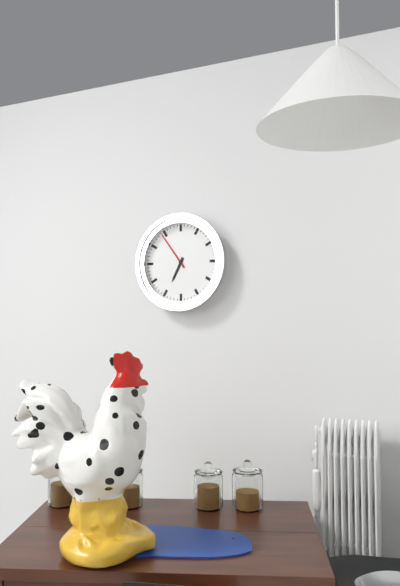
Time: {"hour": 6, "minute": 54}
